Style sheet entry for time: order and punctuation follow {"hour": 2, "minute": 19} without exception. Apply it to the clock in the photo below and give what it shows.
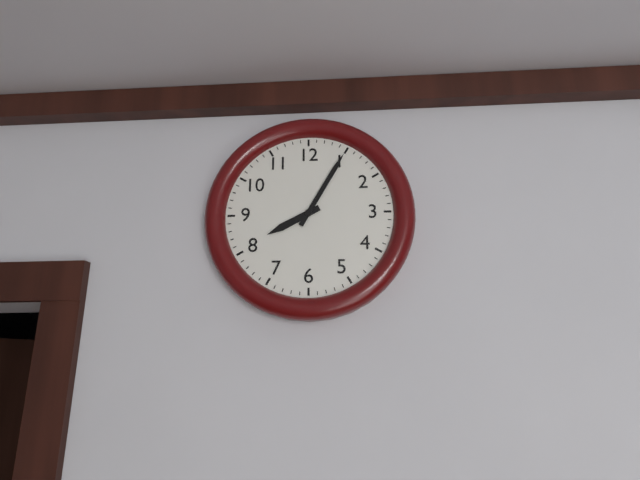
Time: {"hour": 8, "minute": 5}
